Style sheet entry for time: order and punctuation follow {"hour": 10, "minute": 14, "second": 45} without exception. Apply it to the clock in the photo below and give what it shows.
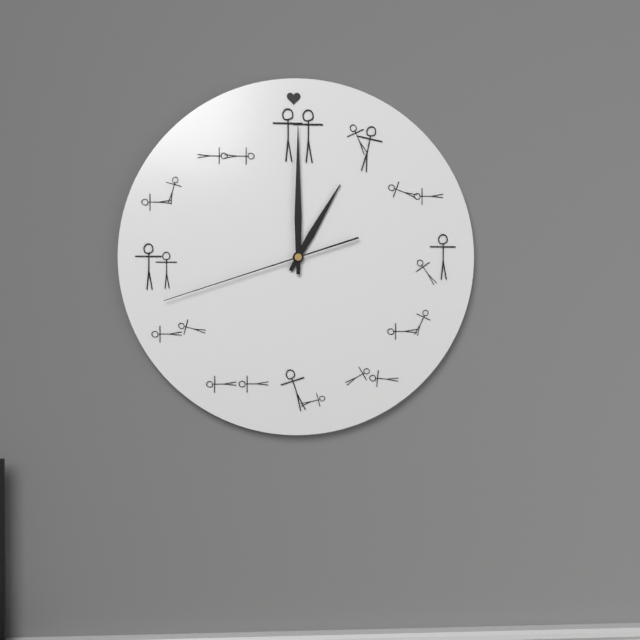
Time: {"hour": 1, "minute": 0, "second": 42}
